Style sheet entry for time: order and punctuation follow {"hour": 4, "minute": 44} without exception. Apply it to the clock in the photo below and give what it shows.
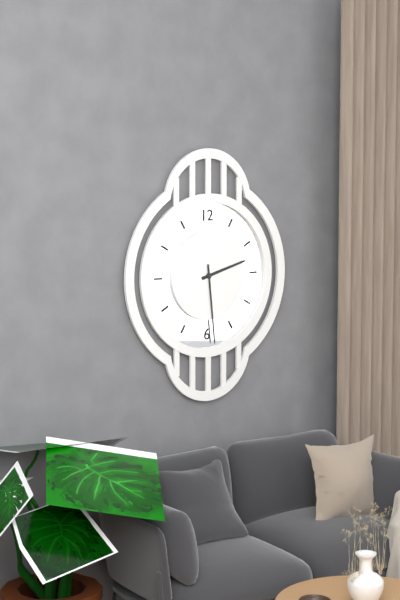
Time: {"hour": 2, "minute": 29}
